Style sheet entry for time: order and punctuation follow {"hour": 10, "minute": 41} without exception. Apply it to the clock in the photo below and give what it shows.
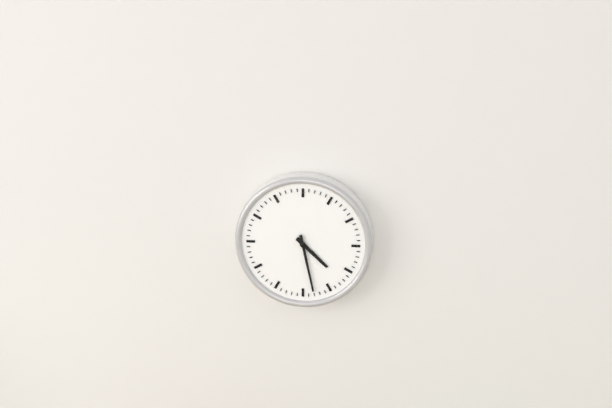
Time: {"hour": 4, "minute": 28}
